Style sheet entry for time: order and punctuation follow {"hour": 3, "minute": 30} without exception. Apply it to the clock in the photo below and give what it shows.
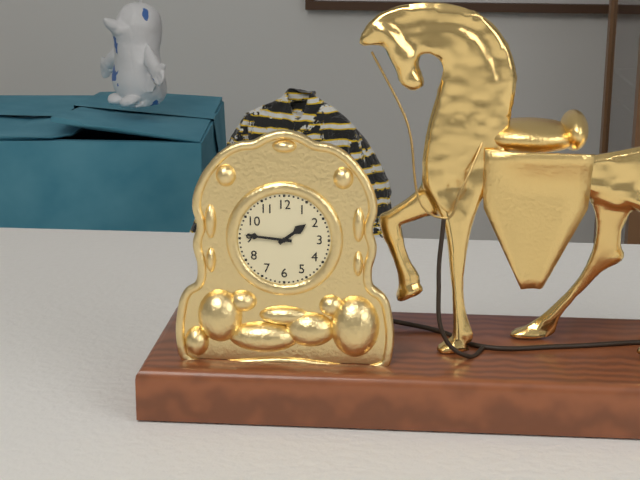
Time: {"hour": 1, "minute": 46}
